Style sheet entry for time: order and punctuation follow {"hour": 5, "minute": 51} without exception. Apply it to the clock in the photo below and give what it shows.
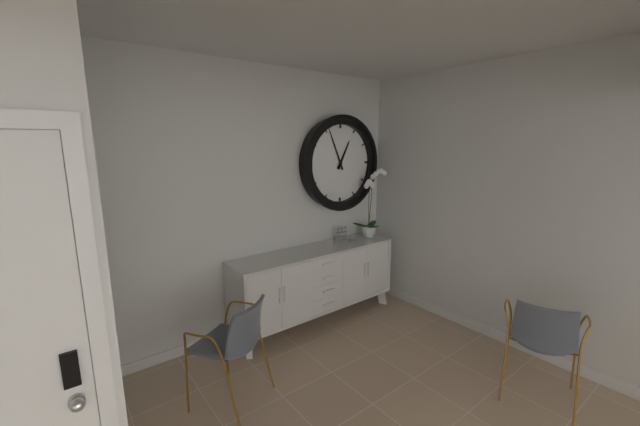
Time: {"hour": 12, "minute": 56}
